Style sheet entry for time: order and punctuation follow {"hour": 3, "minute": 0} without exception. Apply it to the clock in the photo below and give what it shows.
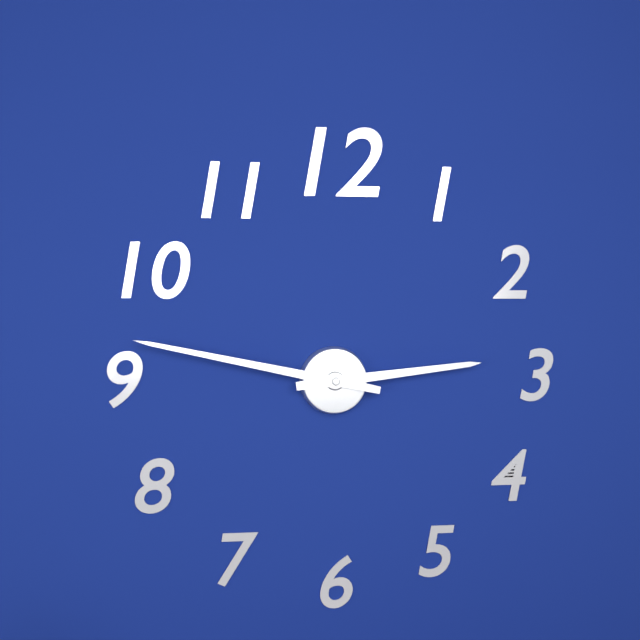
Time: {"hour": 2, "minute": 47}
